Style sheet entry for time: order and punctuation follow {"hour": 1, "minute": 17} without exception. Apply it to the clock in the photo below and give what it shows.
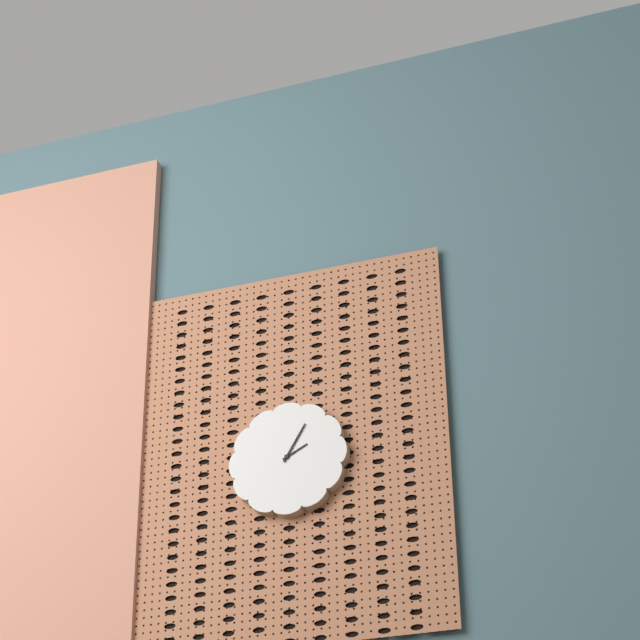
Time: {"hour": 2, "minute": 5}
